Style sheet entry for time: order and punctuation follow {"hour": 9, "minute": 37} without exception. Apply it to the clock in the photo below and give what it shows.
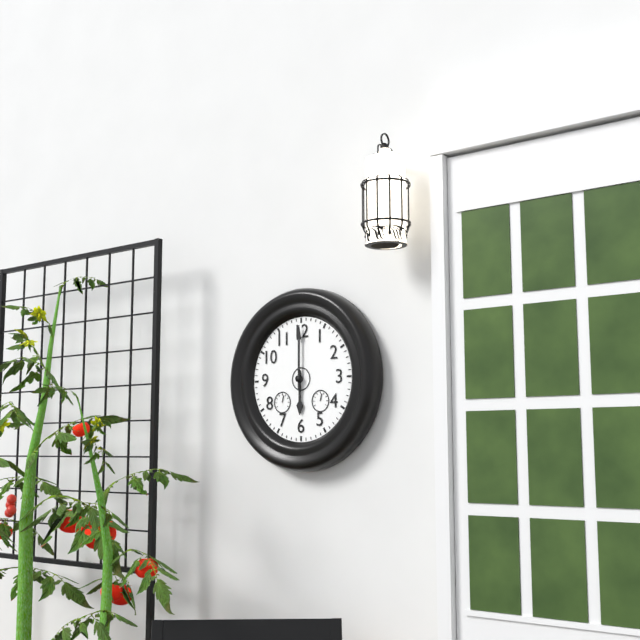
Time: {"hour": 6, "minute": 0}
